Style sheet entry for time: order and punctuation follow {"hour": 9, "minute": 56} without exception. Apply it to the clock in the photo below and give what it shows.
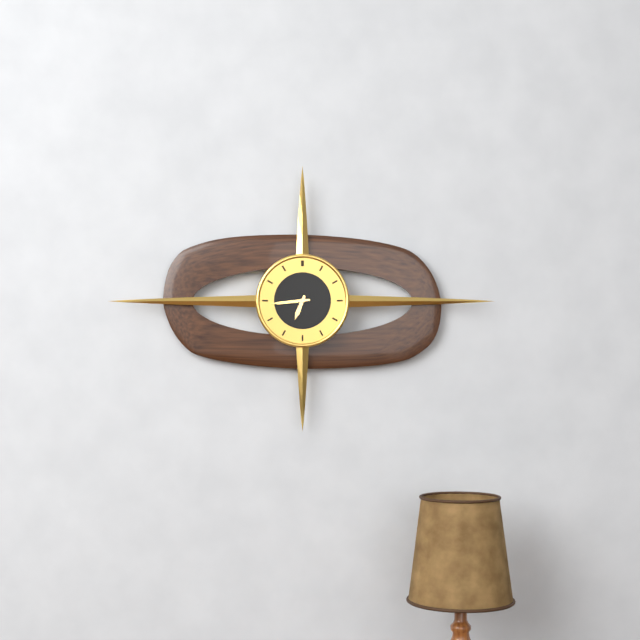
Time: {"hour": 6, "minute": 44}
